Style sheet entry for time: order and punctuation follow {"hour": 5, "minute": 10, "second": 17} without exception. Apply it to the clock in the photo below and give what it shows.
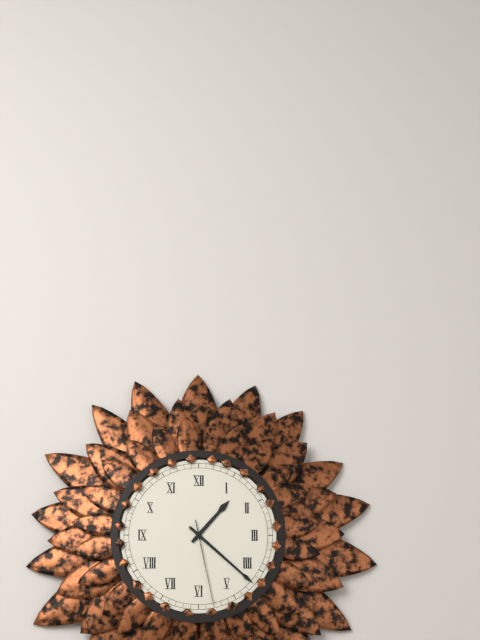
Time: {"hour": 1, "minute": 22, "second": 28}
